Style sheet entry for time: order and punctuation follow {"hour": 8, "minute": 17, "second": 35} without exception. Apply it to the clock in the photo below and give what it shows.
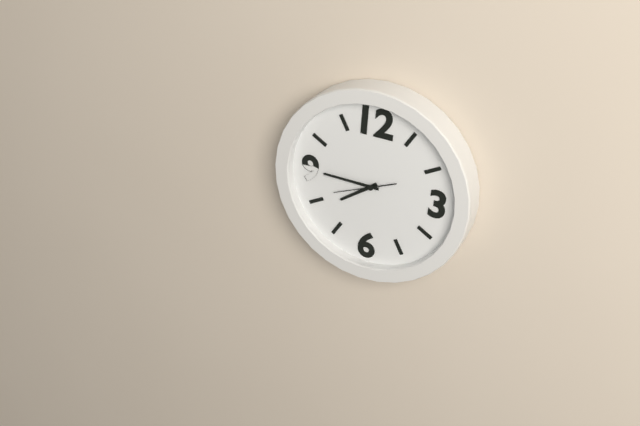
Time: {"hour": 7, "minute": 45, "second": 41}
